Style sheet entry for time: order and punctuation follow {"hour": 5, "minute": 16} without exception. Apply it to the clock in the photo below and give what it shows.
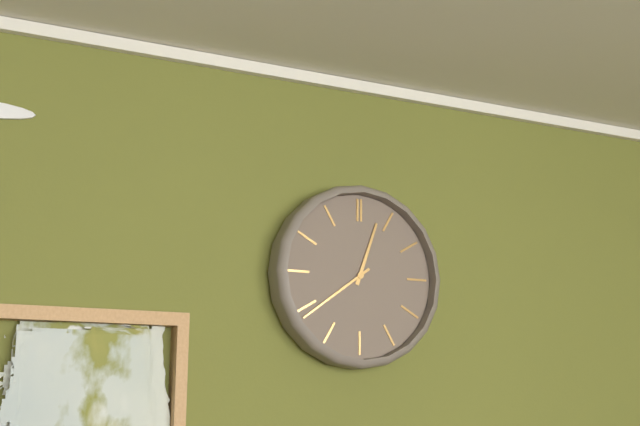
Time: {"hour": 12, "minute": 39}
